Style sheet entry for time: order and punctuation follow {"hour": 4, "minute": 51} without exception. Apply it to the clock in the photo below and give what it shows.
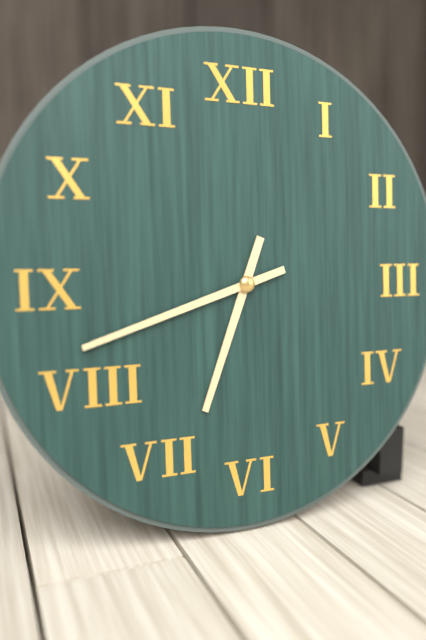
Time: {"hour": 6, "minute": 42}
